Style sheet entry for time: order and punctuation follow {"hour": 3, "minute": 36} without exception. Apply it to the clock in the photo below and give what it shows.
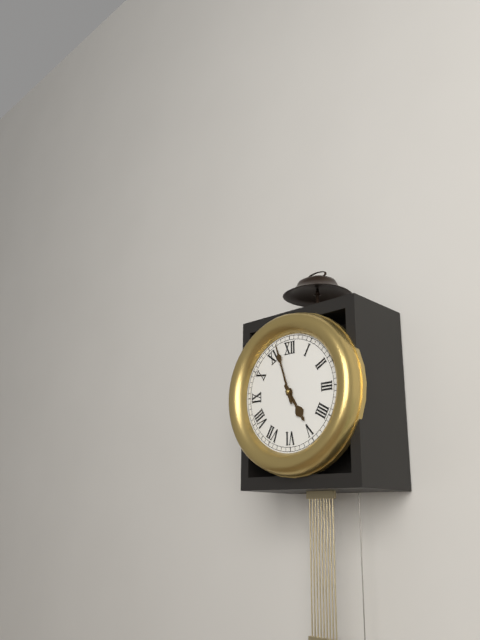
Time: {"hour": 4, "minute": 57}
